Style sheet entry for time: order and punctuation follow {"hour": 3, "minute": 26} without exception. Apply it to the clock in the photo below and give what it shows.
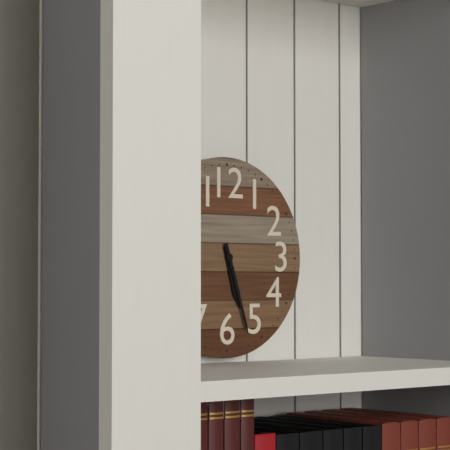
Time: {"hour": 5, "minute": 27}
